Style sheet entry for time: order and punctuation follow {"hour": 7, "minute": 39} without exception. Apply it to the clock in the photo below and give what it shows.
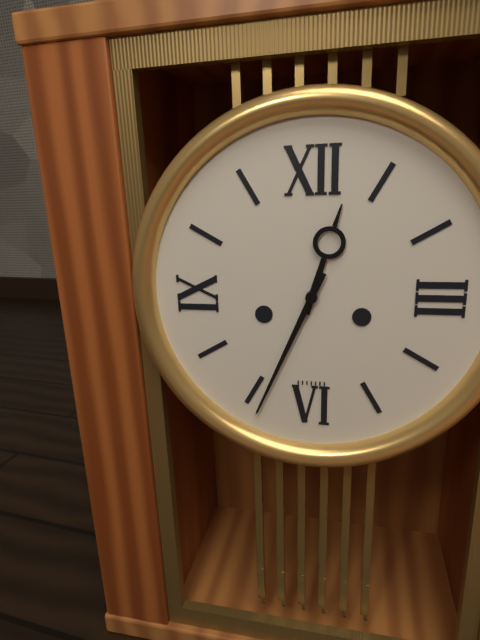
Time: {"hour": 12, "minute": 34}
